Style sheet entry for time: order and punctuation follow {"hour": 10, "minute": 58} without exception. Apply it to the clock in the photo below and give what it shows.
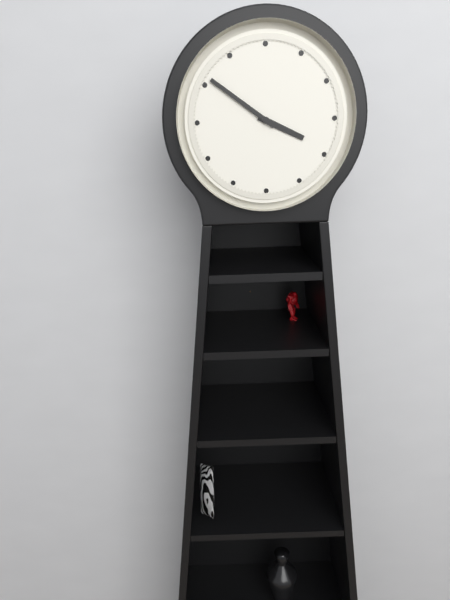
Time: {"hour": 3, "minute": 51}
